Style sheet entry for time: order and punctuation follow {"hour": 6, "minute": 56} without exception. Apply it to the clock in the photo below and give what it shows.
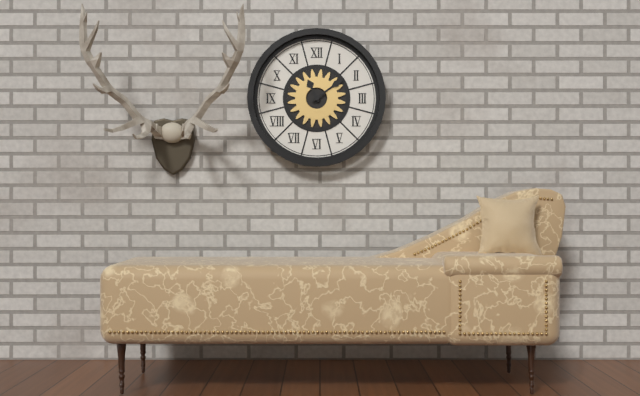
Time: {"hour": 11, "minute": 9}
